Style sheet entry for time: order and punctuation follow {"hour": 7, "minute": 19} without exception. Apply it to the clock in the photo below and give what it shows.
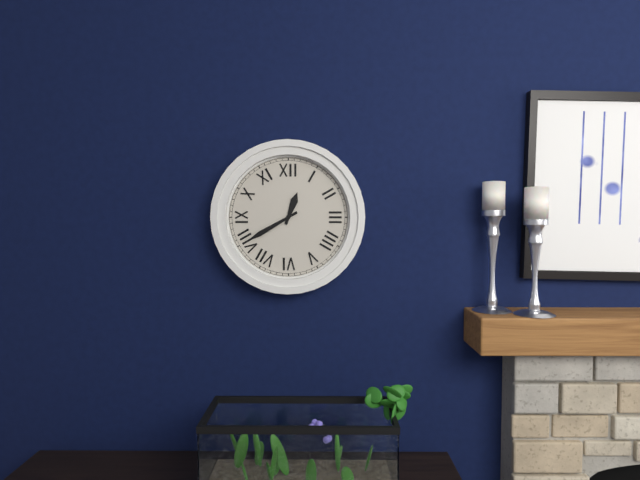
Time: {"hour": 12, "minute": 40}
